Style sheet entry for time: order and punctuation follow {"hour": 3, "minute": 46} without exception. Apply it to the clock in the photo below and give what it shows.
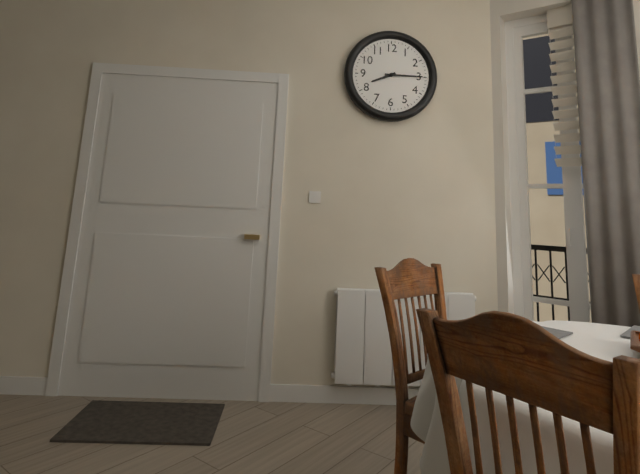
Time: {"hour": 8, "minute": 15}
